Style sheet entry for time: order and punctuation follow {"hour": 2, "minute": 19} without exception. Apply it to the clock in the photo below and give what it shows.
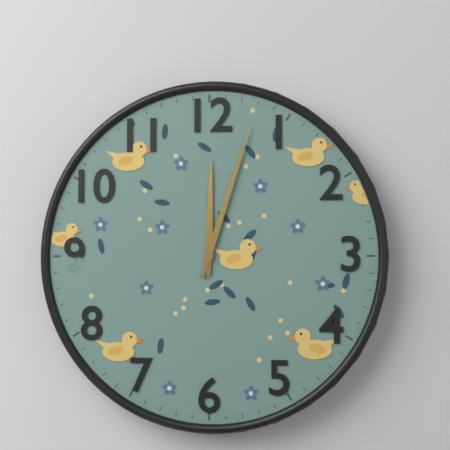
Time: {"hour": 12, "minute": 3}
